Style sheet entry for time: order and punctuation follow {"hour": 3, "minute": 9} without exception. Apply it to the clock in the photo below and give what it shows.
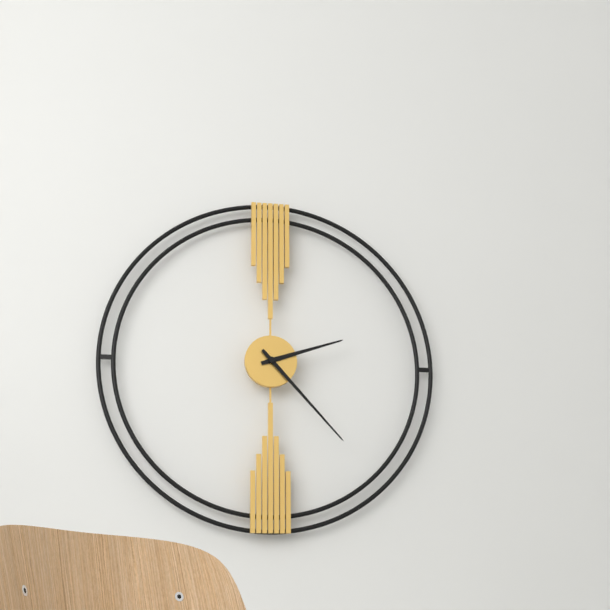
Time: {"hour": 2, "minute": 23}
